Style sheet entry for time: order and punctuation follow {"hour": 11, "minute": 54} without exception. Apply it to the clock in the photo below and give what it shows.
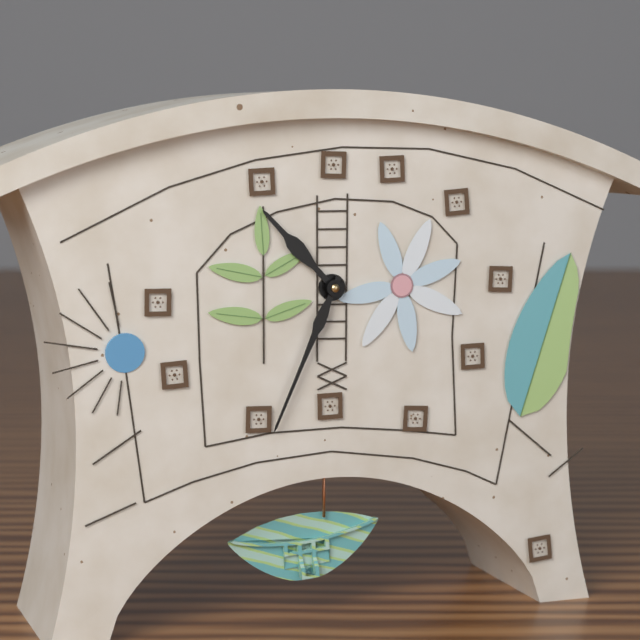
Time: {"hour": 10, "minute": 34}
